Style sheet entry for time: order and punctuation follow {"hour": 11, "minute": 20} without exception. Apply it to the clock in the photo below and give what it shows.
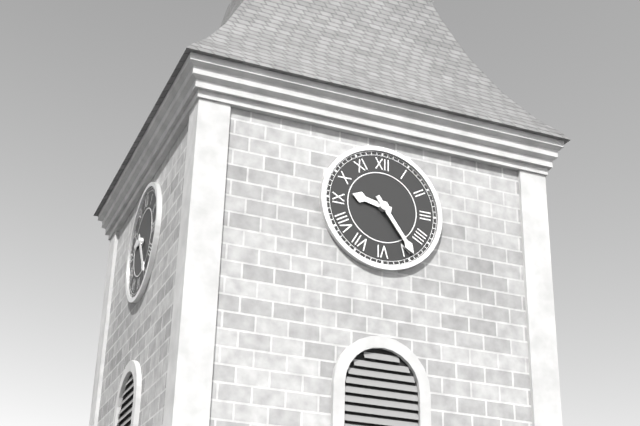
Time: {"hour": 9, "minute": 24}
